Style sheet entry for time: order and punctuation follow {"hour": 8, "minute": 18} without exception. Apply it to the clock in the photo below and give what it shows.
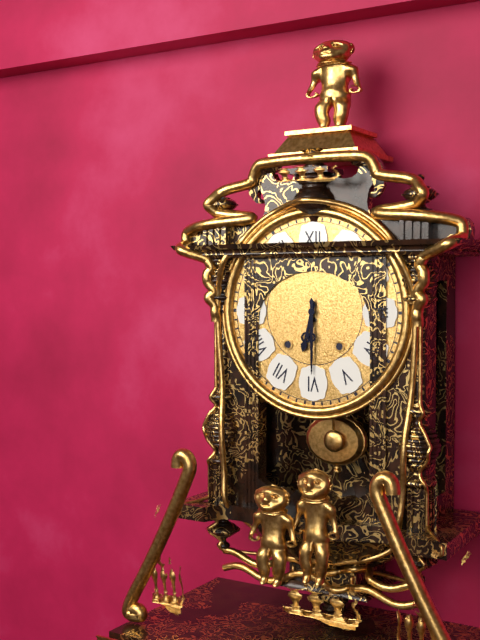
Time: {"hour": 6, "minute": 30}
